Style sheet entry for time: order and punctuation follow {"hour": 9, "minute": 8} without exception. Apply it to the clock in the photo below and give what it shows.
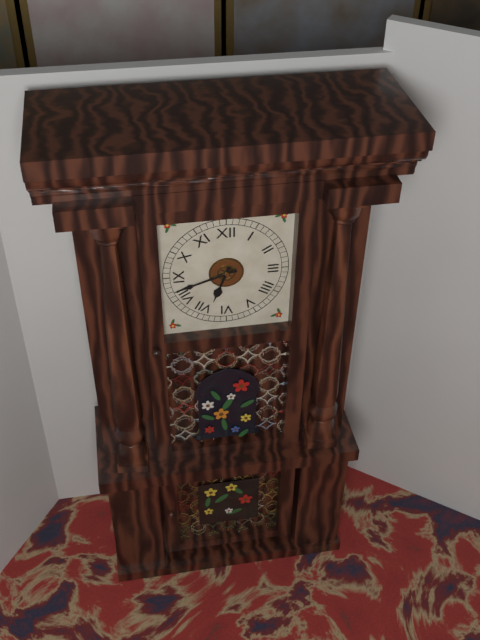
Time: {"hour": 6, "minute": 42}
